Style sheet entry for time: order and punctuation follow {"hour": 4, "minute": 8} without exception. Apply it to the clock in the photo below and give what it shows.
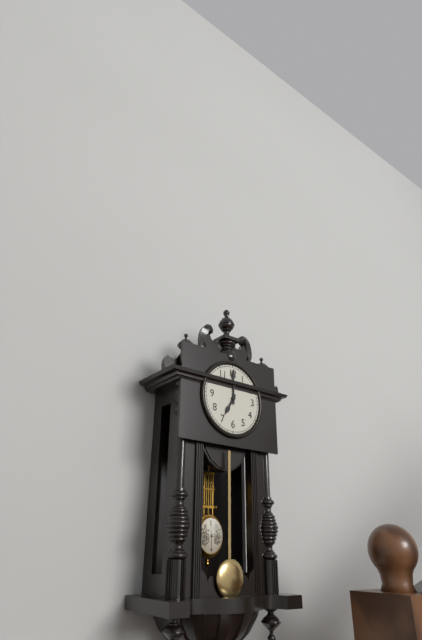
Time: {"hour": 7, "minute": 0}
